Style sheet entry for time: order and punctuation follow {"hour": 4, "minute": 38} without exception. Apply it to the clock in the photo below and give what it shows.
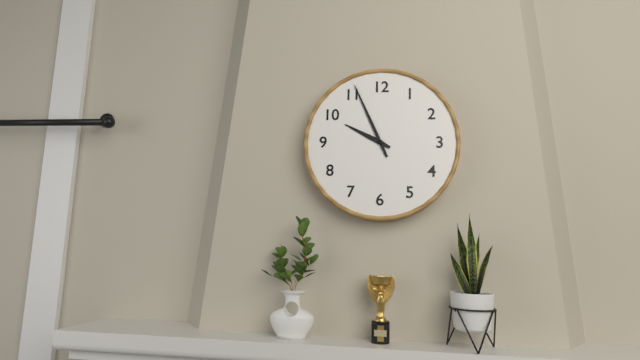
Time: {"hour": 9, "minute": 56}
